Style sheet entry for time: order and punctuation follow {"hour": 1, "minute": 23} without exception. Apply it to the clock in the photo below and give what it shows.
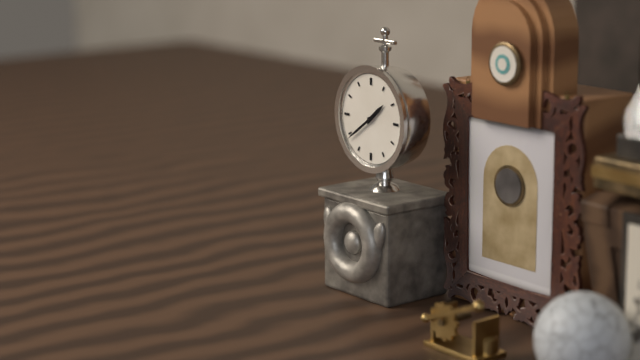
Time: {"hour": 1, "minute": 39}
